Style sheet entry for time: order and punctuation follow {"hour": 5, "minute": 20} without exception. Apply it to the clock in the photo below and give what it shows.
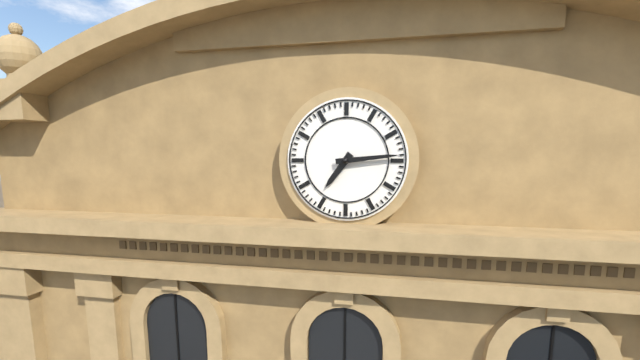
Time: {"hour": 7, "minute": 14}
